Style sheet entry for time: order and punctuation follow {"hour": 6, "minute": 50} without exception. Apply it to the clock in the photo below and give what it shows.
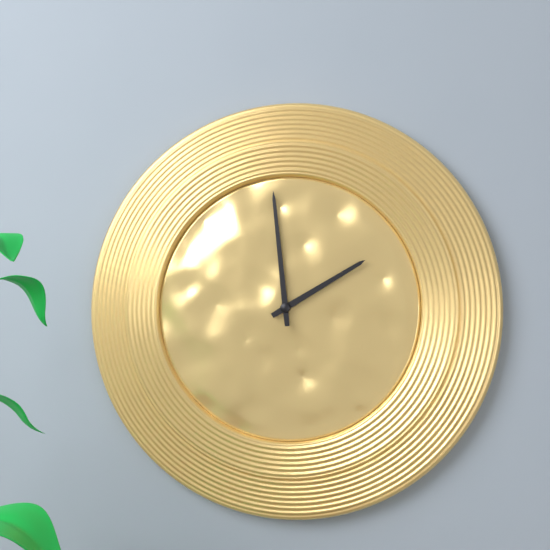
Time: {"hour": 1, "minute": 59}
